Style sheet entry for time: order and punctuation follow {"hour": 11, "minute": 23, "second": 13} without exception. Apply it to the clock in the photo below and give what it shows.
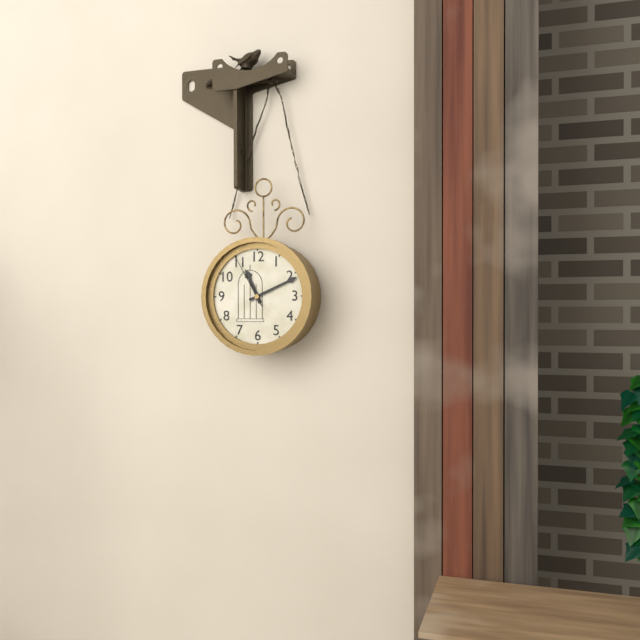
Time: {"hour": 11, "minute": 11, "second": 55}
